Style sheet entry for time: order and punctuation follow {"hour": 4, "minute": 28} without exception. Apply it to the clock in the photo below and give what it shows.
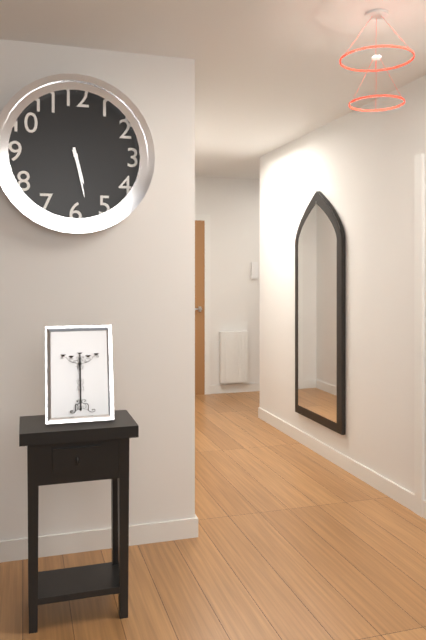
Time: {"hour": 5, "minute": 28}
